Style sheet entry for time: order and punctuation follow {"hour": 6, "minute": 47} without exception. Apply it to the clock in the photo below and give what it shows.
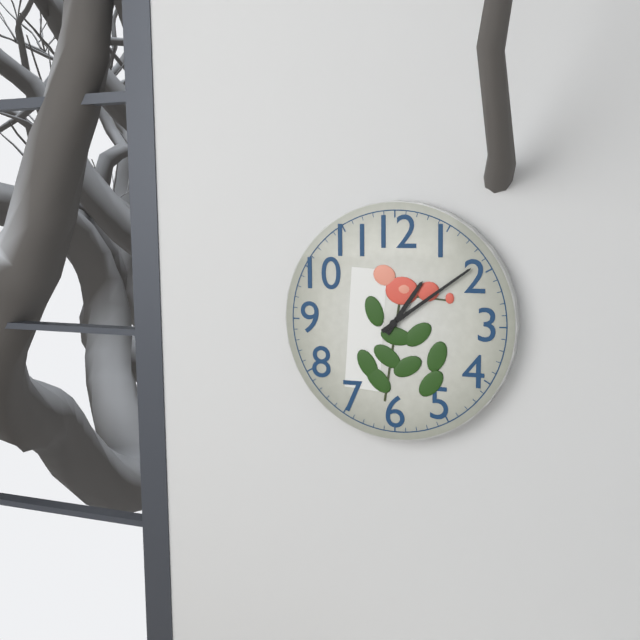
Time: {"hour": 1, "minute": 9}
